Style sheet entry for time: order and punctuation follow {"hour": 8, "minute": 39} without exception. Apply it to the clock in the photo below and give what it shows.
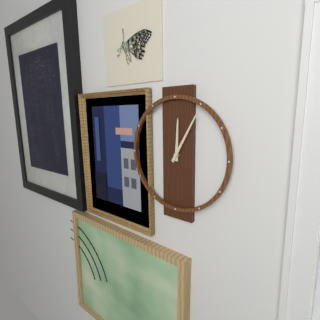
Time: {"hour": 12, "minute": 5}
